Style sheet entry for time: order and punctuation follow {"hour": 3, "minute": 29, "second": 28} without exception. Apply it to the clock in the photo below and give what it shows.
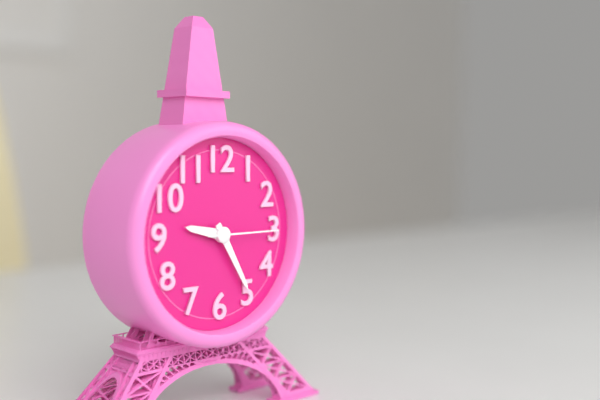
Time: {"hour": 9, "minute": 25, "second": 15}
